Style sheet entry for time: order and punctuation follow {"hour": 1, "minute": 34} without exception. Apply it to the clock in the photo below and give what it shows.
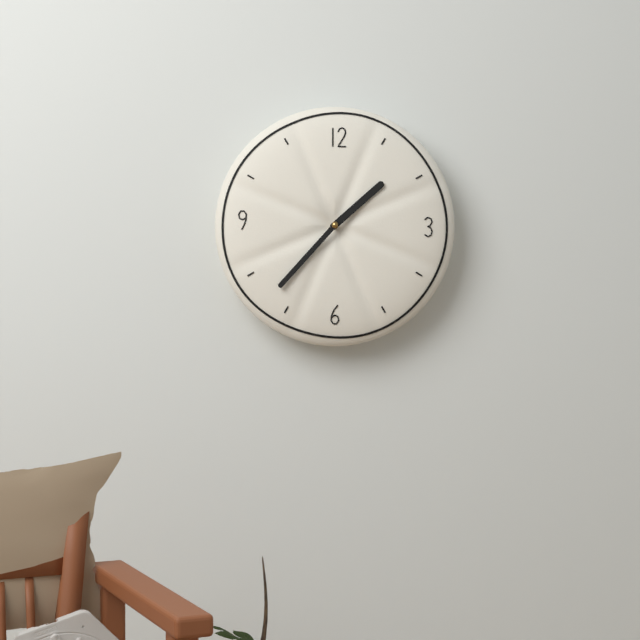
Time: {"hour": 1, "minute": 37}
